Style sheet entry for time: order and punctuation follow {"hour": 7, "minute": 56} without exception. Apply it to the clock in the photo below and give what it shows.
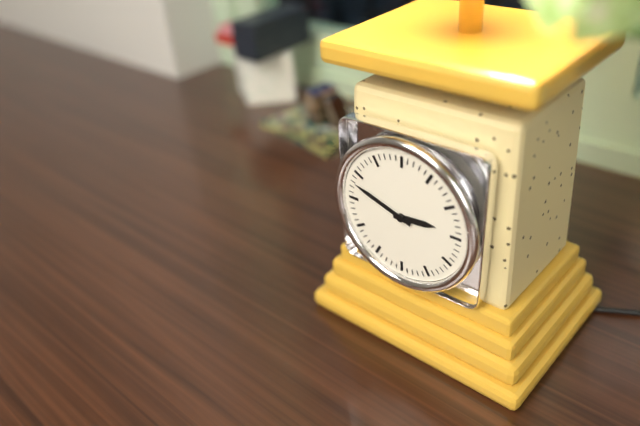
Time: {"hour": 2, "minute": 48}
